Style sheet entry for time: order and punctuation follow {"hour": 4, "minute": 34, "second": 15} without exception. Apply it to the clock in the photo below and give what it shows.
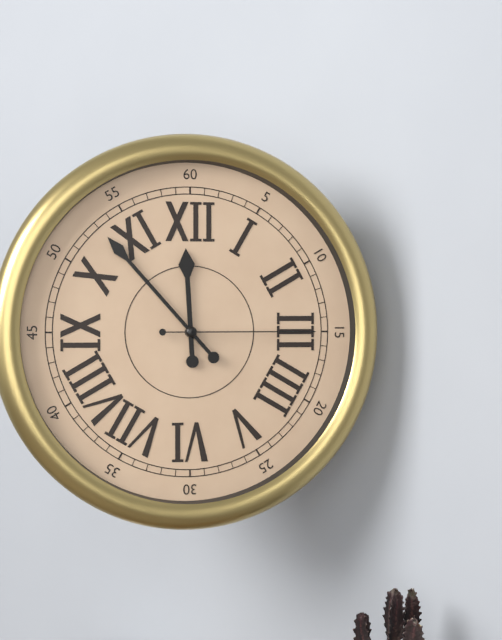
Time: {"hour": 11, "minute": 53, "second": 15}
